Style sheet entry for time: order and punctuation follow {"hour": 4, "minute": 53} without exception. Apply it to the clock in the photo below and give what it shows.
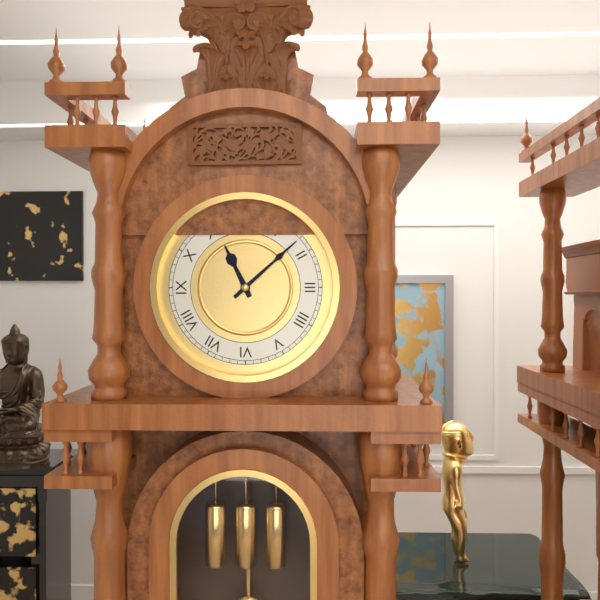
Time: {"hour": 11, "minute": 8}
